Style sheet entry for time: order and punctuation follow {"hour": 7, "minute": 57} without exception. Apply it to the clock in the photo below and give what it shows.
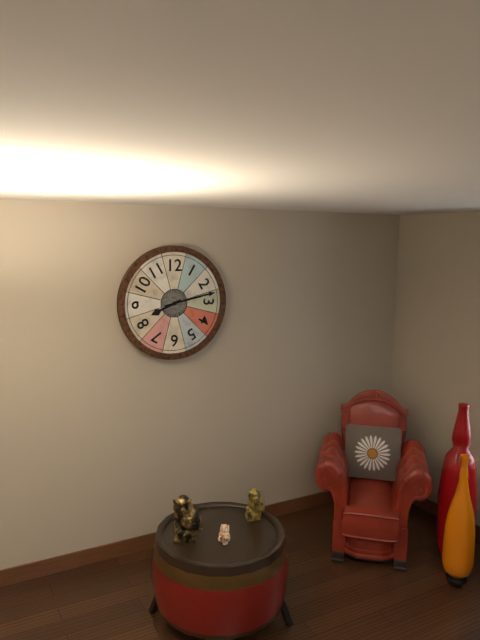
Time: {"hour": 8, "minute": 13}
